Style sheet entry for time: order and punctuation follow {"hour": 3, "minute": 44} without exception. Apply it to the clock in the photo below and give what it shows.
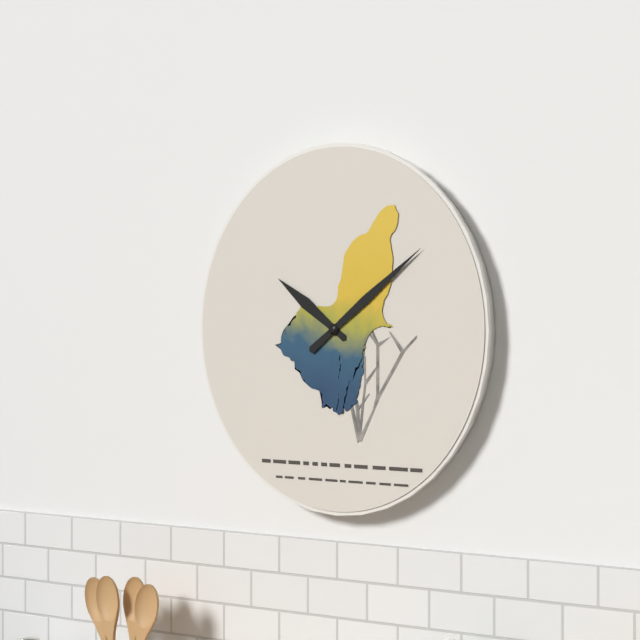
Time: {"hour": 10, "minute": 9}
